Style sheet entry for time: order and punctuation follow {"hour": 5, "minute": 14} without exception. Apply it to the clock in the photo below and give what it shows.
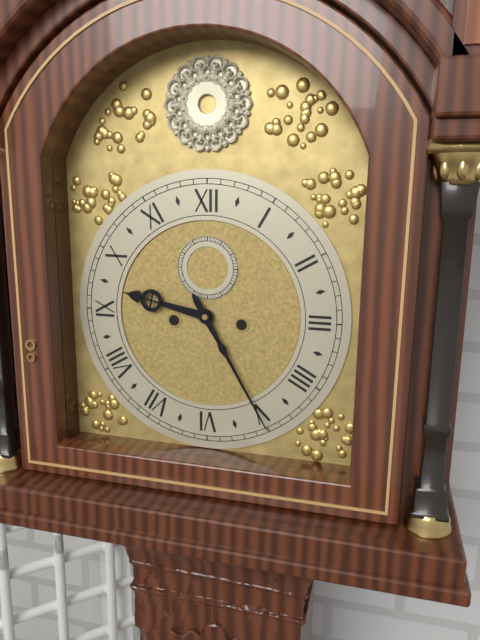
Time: {"hour": 9, "minute": 25}
